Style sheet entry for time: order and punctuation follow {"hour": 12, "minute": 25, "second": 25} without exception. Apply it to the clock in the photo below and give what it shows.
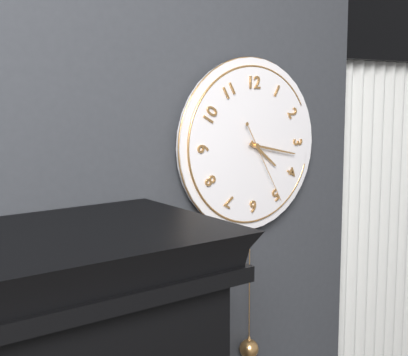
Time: {"hour": 4, "minute": 17, "second": 25}
